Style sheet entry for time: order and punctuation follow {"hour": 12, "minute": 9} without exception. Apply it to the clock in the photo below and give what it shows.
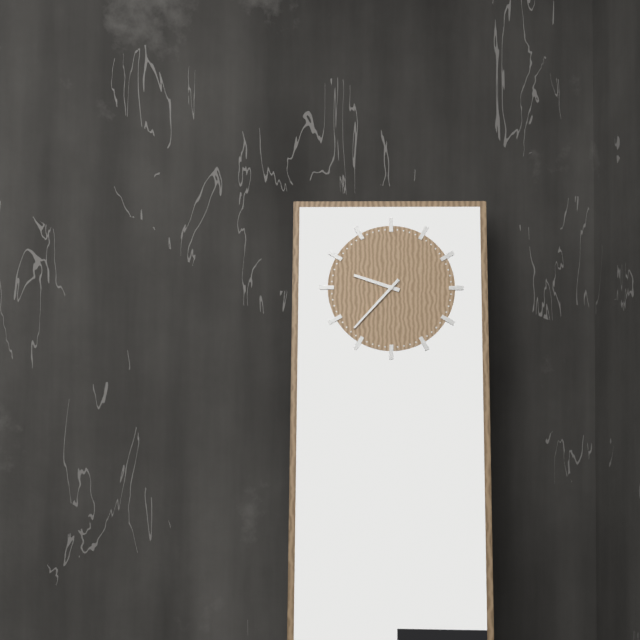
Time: {"hour": 9, "minute": 37}
